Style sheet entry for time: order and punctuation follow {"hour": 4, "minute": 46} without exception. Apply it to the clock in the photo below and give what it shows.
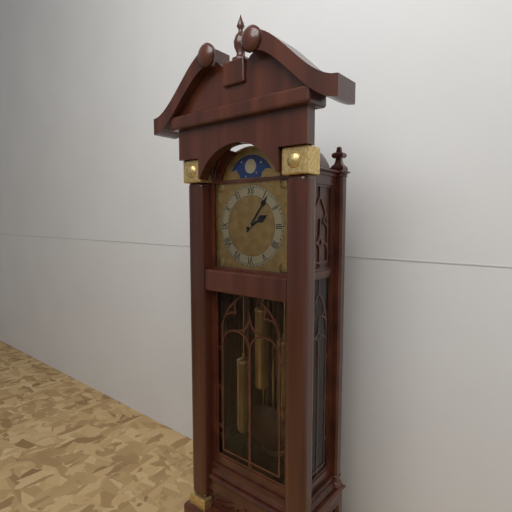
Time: {"hour": 2, "minute": 6}
